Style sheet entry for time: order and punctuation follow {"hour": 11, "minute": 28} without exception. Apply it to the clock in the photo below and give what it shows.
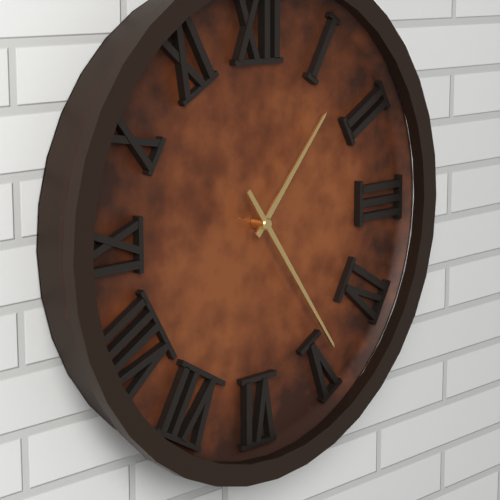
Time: {"hour": 1, "minute": 24}
